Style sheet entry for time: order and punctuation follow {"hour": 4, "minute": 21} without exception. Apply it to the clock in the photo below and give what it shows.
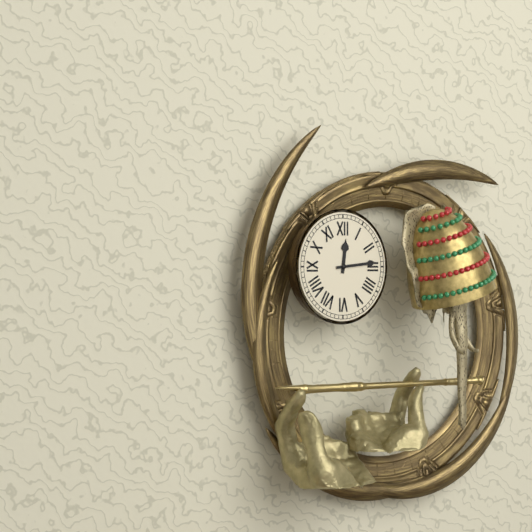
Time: {"hour": 12, "minute": 14}
